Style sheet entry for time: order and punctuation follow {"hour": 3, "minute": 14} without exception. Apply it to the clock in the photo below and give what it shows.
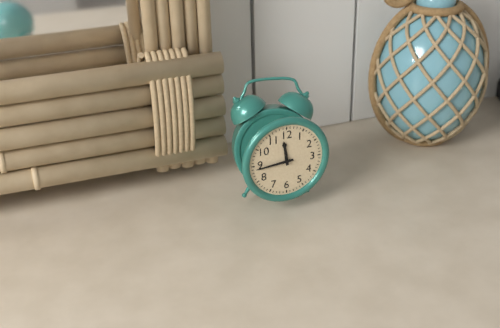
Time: {"hour": 11, "minute": 44}
